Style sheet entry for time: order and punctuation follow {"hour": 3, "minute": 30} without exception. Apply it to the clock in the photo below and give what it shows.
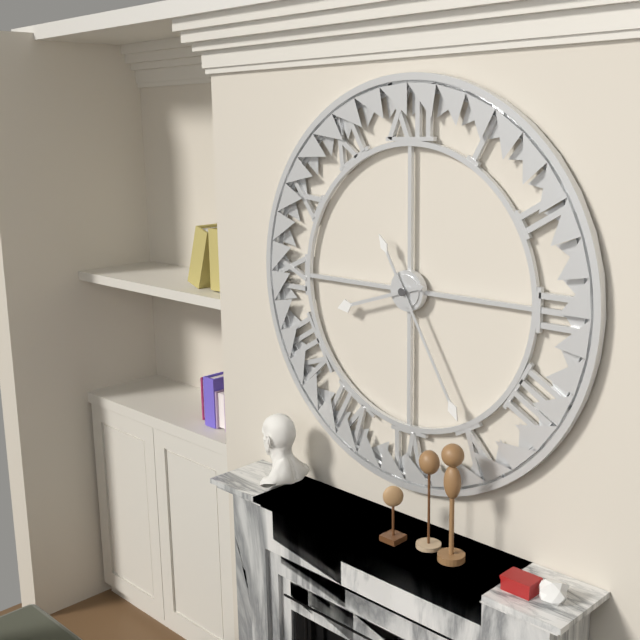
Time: {"hour": 8, "minute": 25}
